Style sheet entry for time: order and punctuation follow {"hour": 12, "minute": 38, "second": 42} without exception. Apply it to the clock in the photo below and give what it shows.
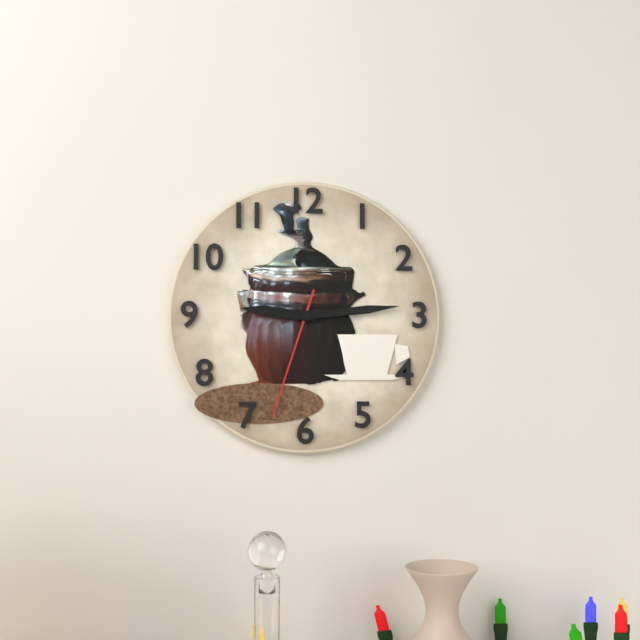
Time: {"hour": 9, "minute": 14, "second": 33}
